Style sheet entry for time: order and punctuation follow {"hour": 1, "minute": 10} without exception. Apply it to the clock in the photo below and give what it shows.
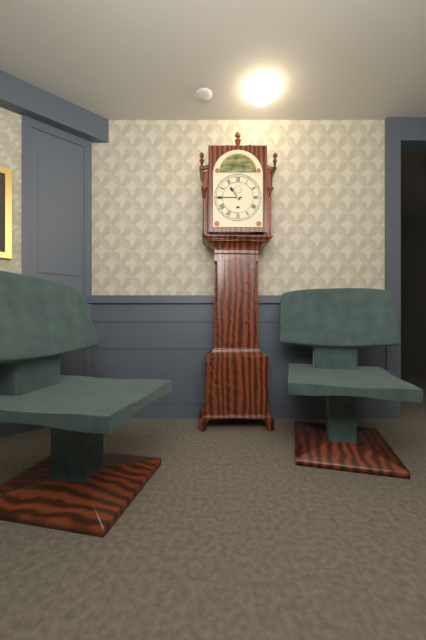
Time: {"hour": 10, "minute": 45}
